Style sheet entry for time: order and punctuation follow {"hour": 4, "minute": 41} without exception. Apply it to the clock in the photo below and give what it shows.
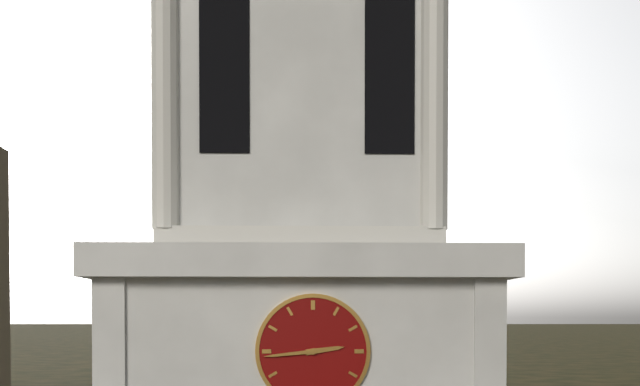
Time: {"hour": 2, "minute": 44}
